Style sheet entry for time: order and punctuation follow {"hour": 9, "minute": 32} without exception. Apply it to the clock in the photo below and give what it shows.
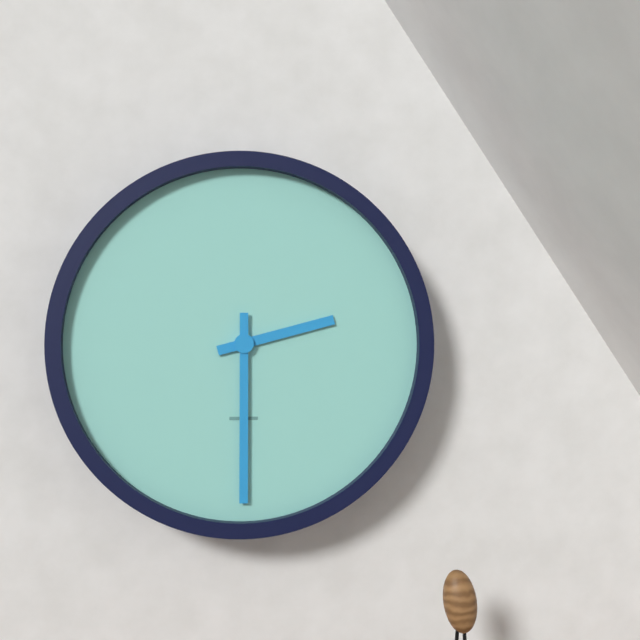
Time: {"hour": 2, "minute": 30}
